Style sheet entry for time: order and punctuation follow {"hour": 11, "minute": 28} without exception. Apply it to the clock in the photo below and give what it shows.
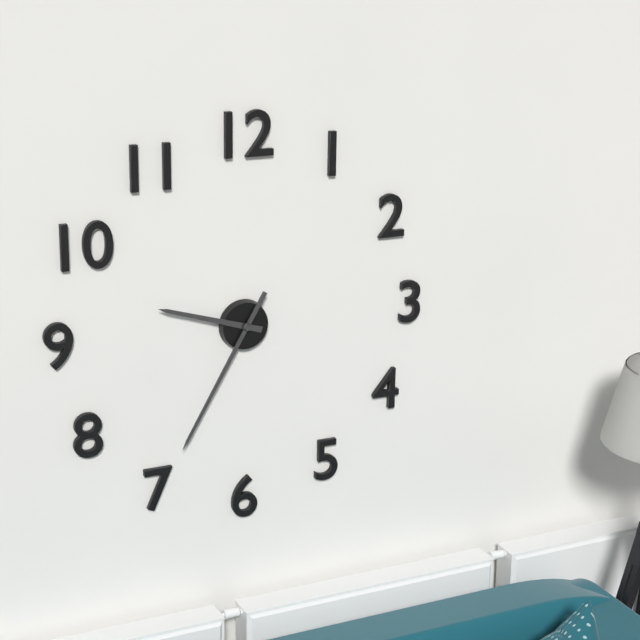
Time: {"hour": 9, "minute": 35}
